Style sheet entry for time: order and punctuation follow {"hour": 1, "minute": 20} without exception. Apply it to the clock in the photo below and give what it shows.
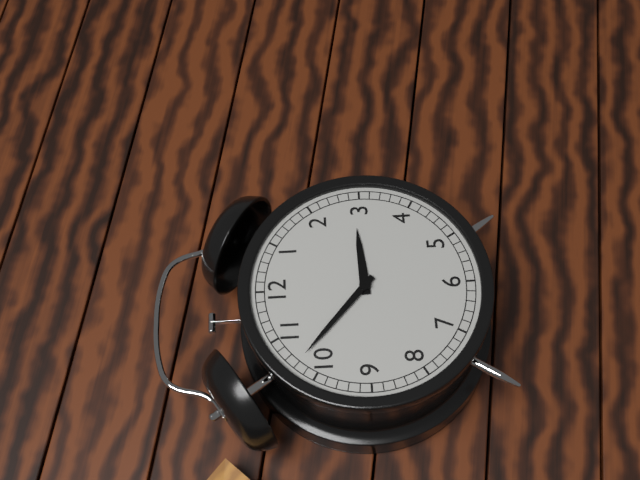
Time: {"hour": 2, "minute": 52}
